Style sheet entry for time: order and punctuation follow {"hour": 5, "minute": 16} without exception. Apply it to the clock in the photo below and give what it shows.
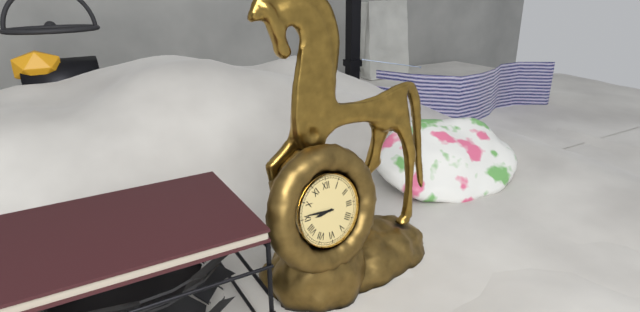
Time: {"hour": 8, "minute": 46}
